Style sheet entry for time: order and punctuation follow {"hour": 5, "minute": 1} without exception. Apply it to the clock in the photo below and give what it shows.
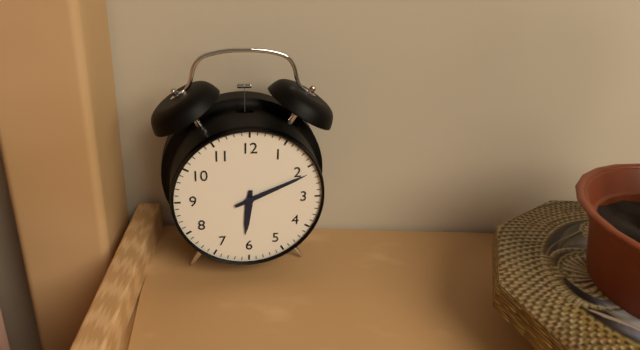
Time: {"hour": 6, "minute": 11}
